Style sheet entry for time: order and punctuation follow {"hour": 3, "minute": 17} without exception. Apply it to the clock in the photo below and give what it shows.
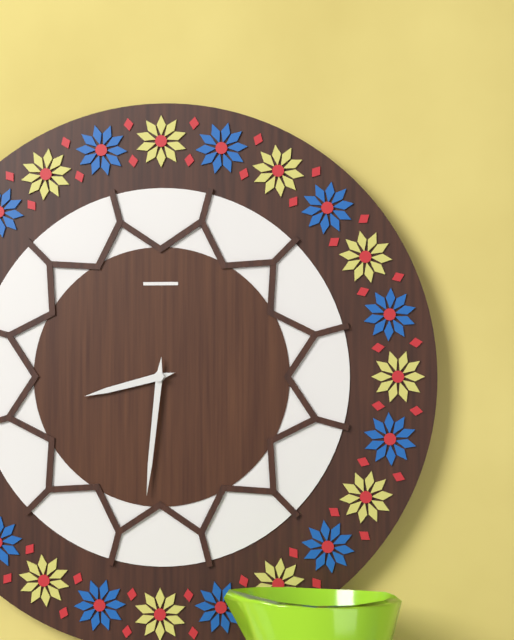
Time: {"hour": 8, "minute": 31}
